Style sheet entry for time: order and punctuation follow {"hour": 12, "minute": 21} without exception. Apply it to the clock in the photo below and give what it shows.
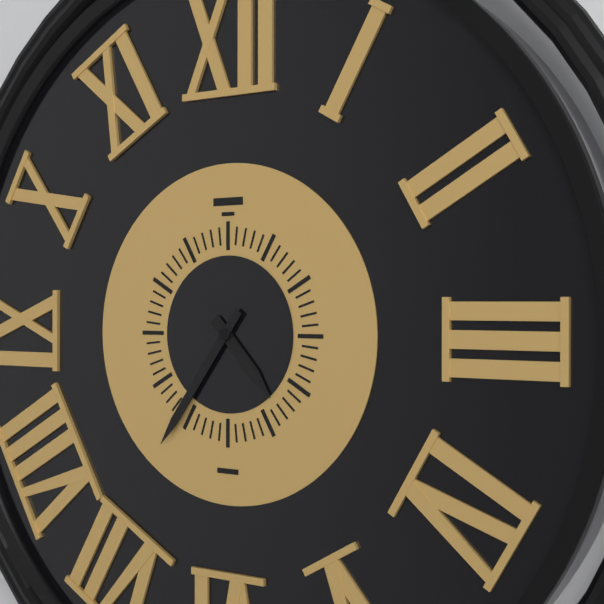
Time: {"hour": 4, "minute": 36}
